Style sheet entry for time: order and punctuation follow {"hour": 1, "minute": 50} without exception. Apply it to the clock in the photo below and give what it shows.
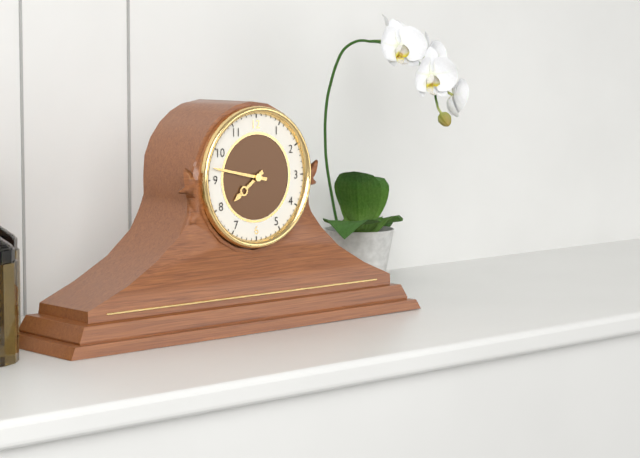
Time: {"hour": 7, "minute": 47}
